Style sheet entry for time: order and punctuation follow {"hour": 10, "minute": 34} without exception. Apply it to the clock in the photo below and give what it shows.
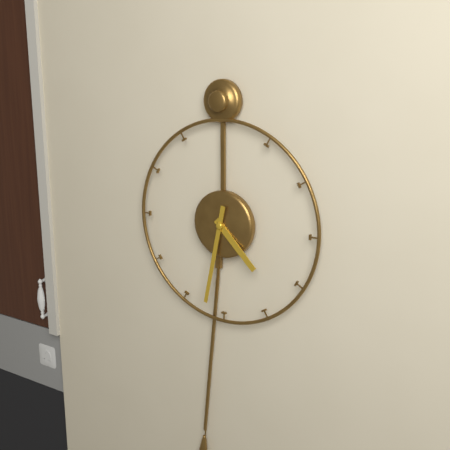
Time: {"hour": 4, "minute": 32}
